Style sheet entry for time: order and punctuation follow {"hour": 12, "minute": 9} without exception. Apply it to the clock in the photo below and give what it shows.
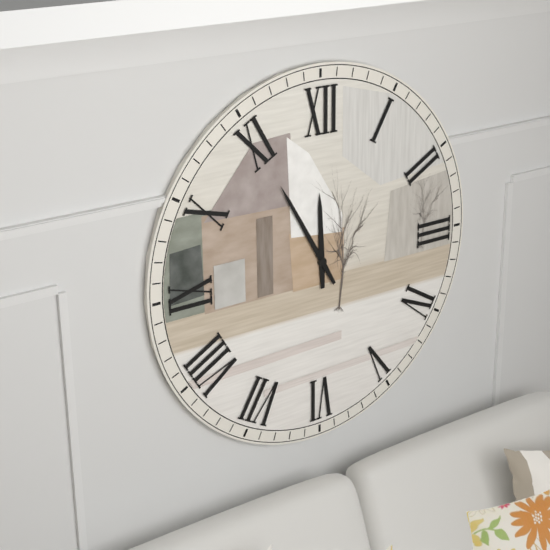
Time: {"hour": 11, "minute": 55}
